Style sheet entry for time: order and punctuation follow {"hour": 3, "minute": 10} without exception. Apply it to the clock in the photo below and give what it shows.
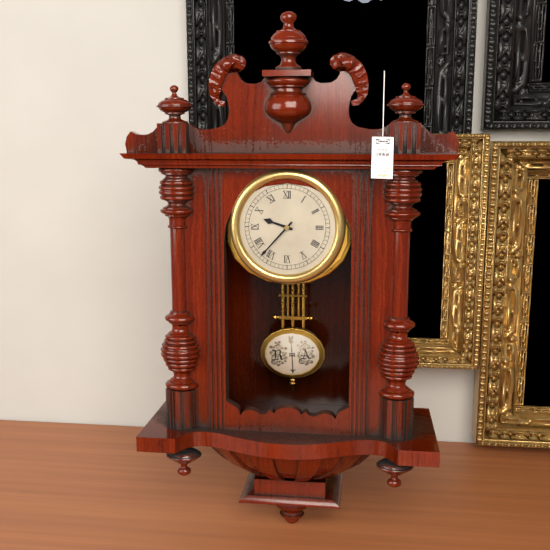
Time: {"hour": 9, "minute": 37}
